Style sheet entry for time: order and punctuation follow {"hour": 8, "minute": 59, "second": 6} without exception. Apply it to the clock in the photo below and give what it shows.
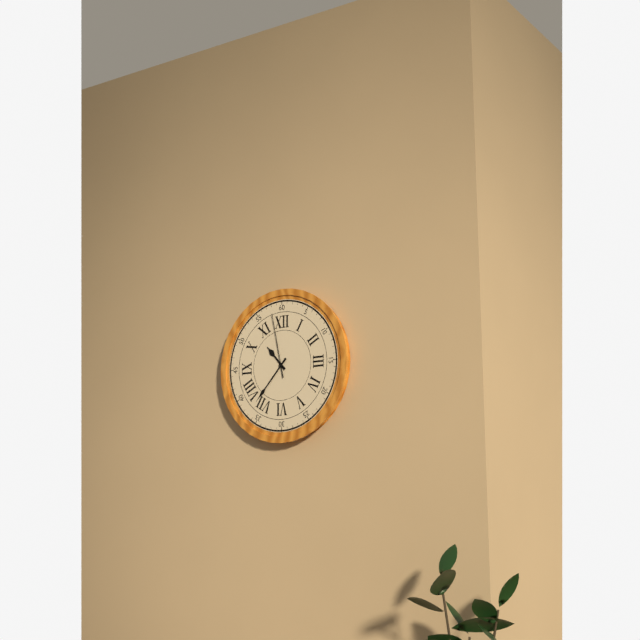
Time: {"hour": 10, "minute": 37, "second": 58}
